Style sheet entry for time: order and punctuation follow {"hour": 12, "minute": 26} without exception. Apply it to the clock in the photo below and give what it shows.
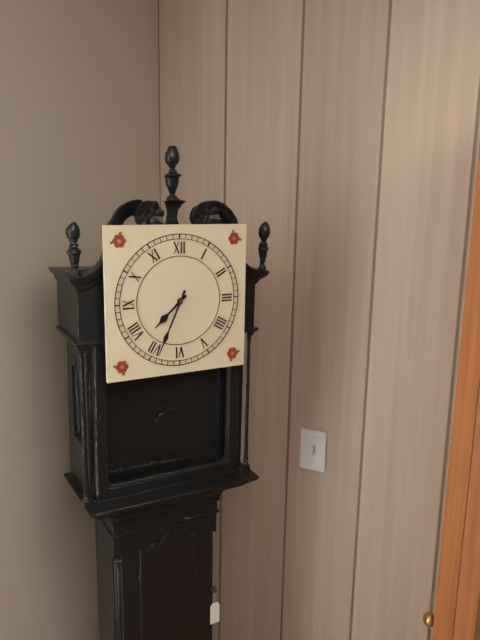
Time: {"hour": 7, "minute": 34}
